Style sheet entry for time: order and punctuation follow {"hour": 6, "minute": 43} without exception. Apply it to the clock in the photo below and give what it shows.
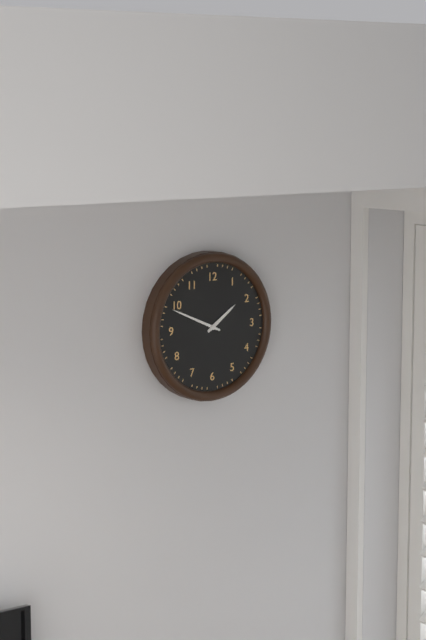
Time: {"hour": 1, "minute": 49}
